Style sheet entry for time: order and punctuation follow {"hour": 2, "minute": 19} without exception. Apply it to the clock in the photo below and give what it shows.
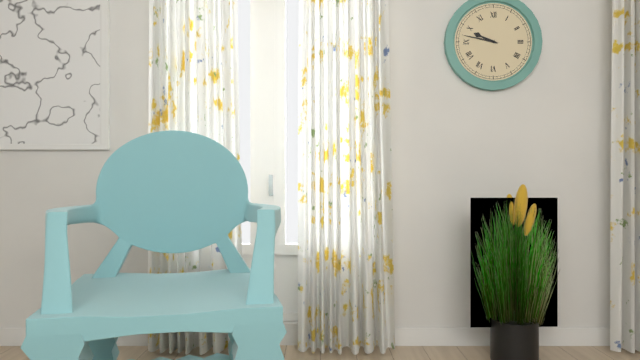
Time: {"hour": 9, "minute": 47}
